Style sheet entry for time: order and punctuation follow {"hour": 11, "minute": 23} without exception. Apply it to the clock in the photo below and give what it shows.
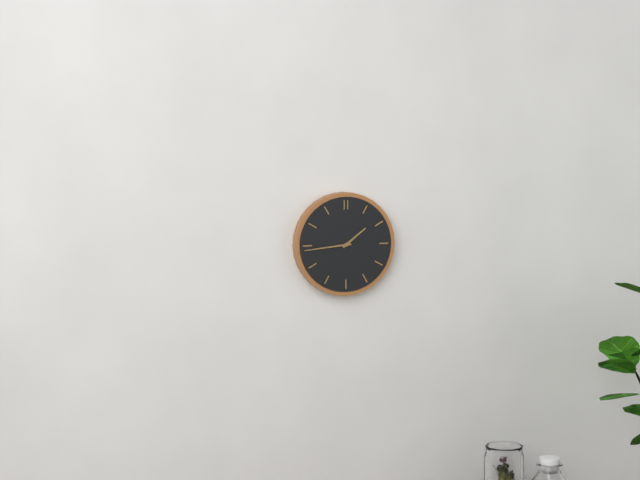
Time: {"hour": 1, "minute": 44}
